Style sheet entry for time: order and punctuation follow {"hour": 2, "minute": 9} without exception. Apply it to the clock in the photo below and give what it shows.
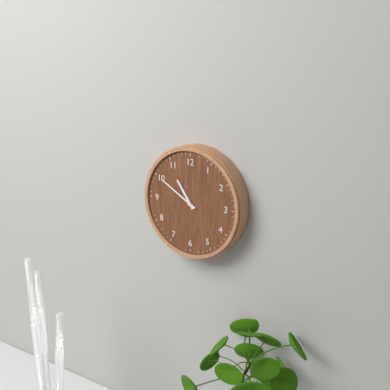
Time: {"hour": 10, "minute": 50}
